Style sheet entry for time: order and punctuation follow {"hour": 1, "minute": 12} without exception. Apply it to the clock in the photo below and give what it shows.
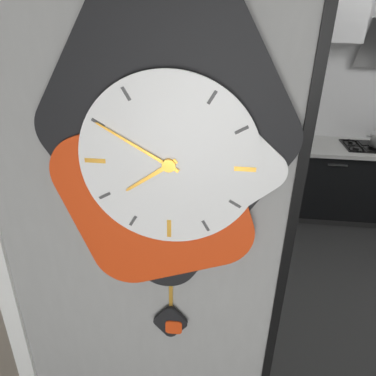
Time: {"hour": 7, "minute": 50}
